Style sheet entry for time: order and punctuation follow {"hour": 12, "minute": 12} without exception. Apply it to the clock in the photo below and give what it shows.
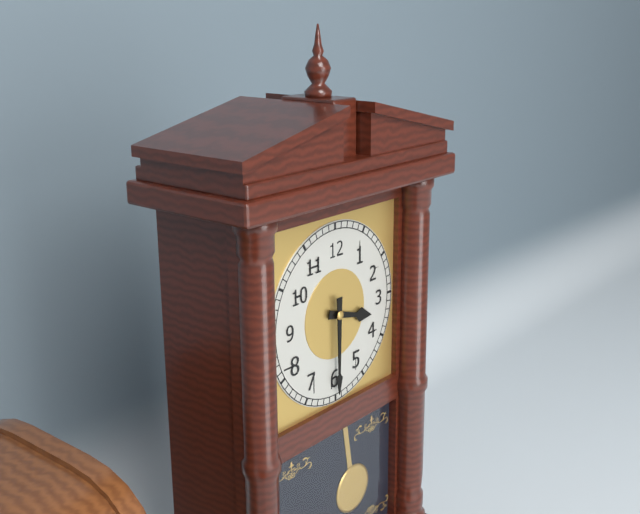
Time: {"hour": 3, "minute": 30}
